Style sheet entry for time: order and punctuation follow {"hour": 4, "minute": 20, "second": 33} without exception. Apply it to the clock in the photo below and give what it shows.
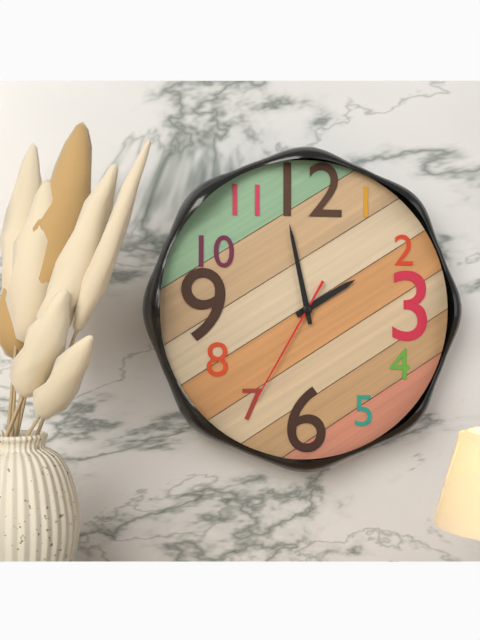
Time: {"hour": 1, "minute": 58, "second": 35}
